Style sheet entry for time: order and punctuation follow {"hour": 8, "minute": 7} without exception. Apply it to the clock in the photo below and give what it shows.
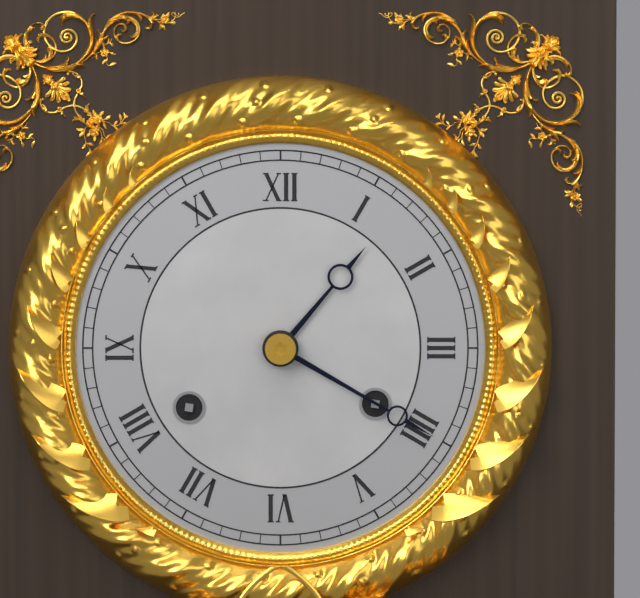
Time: {"hour": 1, "minute": 20}
